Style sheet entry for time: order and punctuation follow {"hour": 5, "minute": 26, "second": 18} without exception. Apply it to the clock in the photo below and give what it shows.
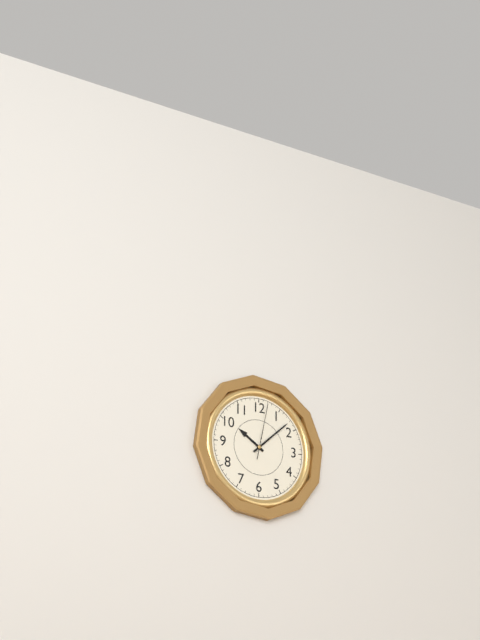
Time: {"hour": 10, "minute": 8, "second": 2}
